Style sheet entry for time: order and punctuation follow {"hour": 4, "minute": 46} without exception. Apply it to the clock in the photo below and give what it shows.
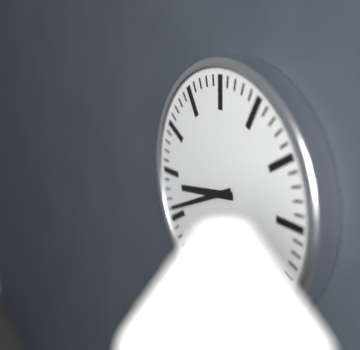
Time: {"hour": 8, "minute": 41}
